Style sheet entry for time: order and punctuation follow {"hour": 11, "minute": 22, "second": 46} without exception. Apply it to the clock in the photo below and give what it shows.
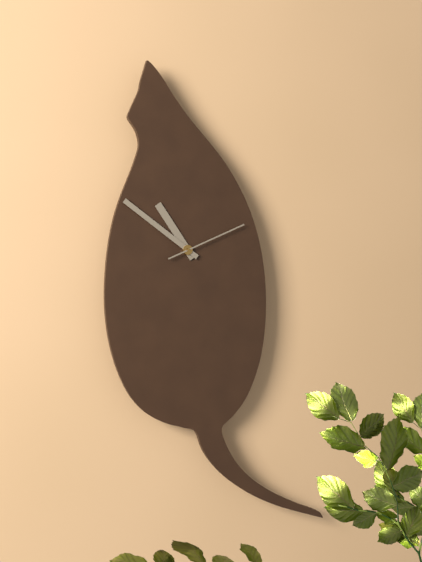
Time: {"hour": 10, "minute": 51, "second": 11}
